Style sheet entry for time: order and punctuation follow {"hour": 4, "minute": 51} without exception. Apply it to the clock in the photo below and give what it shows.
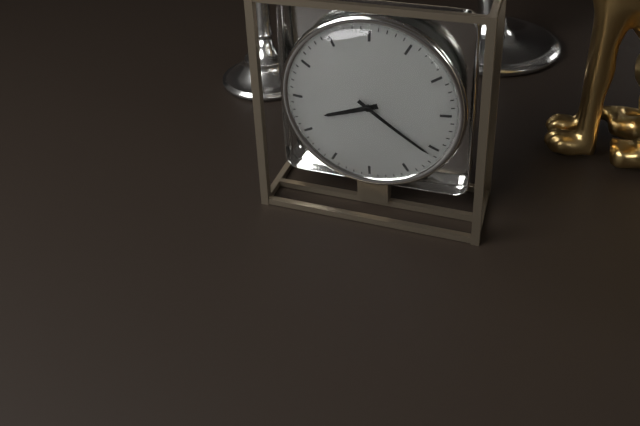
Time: {"hour": 8, "minute": 21}
